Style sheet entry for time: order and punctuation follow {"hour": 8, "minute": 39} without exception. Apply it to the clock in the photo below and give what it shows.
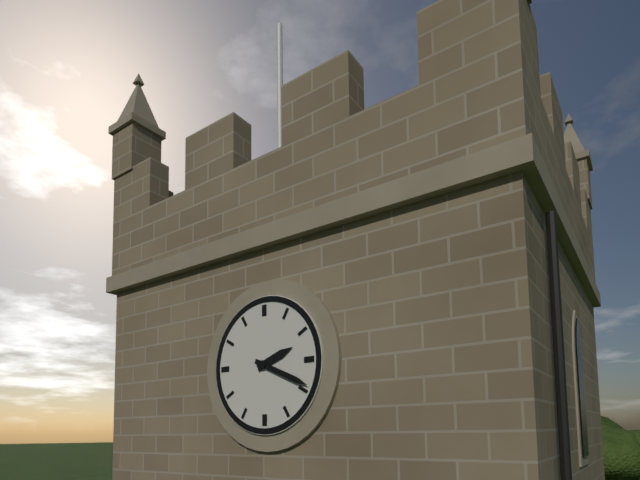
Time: {"hour": 2, "minute": 19}
